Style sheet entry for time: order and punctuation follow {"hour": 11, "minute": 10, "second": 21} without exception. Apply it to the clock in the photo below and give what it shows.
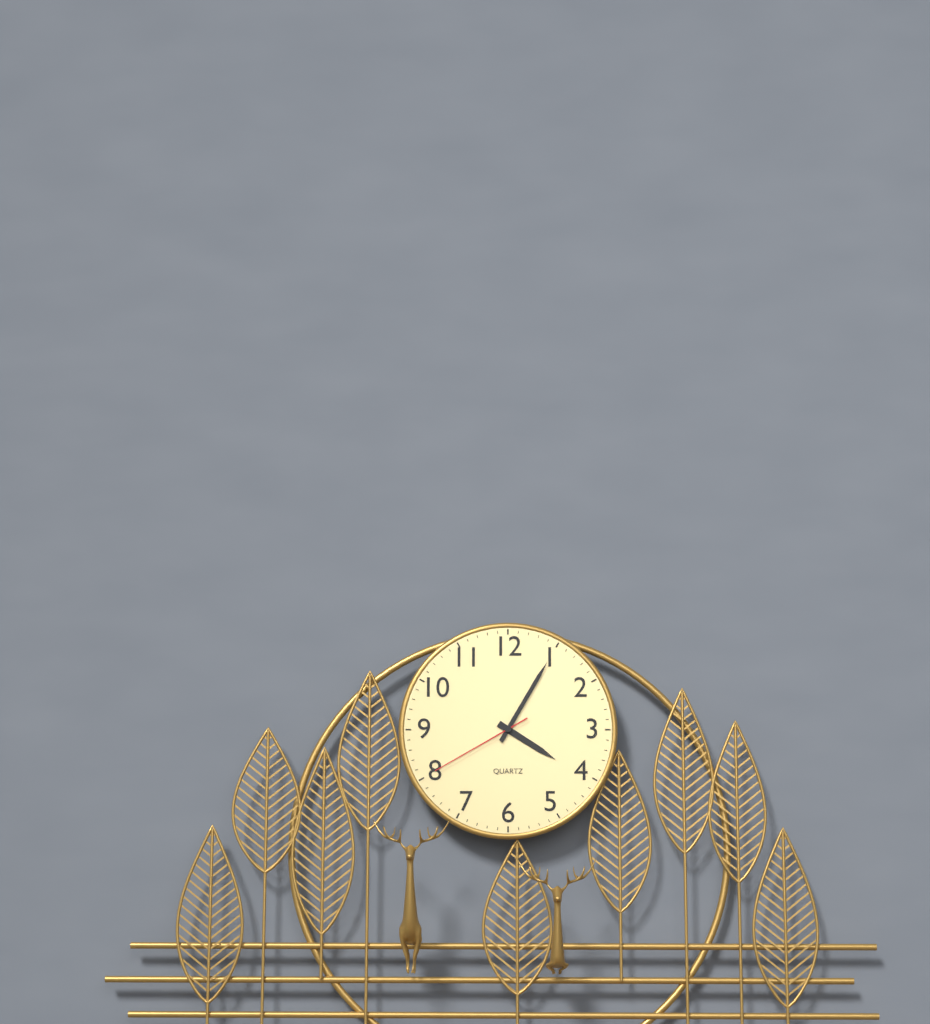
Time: {"hour": 4, "minute": 5, "second": 40}
